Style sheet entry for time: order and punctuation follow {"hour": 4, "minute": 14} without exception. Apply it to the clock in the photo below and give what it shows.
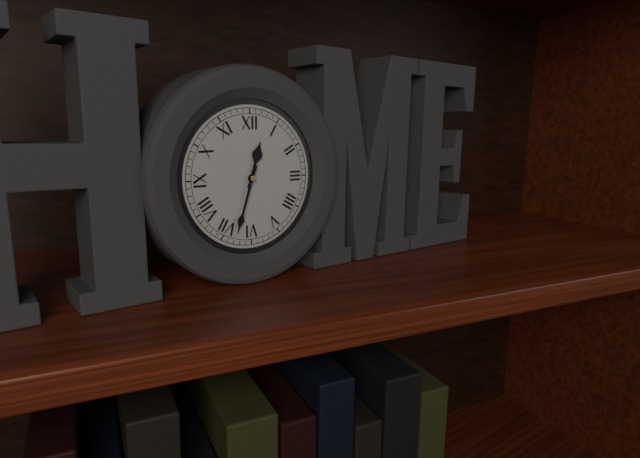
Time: {"hour": 12, "minute": 33}
